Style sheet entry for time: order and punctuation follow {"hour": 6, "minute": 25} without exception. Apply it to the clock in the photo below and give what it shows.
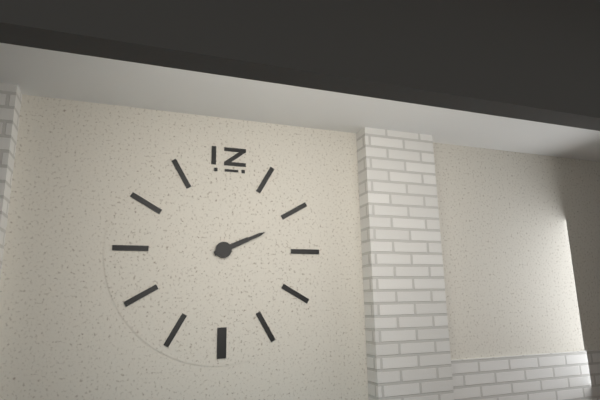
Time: {"hour": 2, "minute": 11}
